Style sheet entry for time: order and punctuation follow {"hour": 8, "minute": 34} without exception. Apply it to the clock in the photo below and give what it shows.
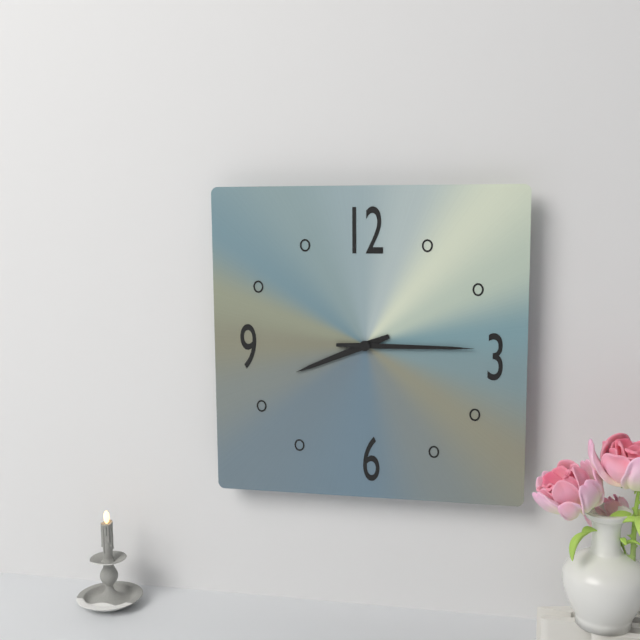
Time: {"hour": 8, "minute": 15}
